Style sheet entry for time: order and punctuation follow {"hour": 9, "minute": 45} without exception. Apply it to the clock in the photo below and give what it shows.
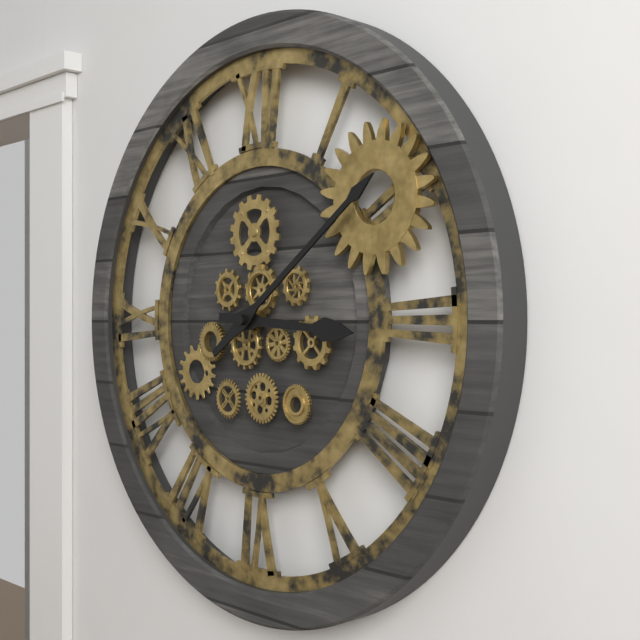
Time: {"hour": 3, "minute": 9}
